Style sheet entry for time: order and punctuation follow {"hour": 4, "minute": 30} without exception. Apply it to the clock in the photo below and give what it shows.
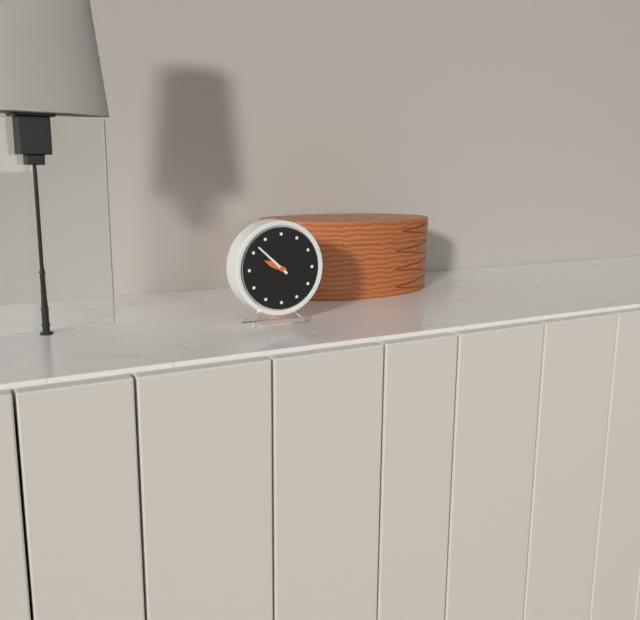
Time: {"hour": 9, "minute": 52}
